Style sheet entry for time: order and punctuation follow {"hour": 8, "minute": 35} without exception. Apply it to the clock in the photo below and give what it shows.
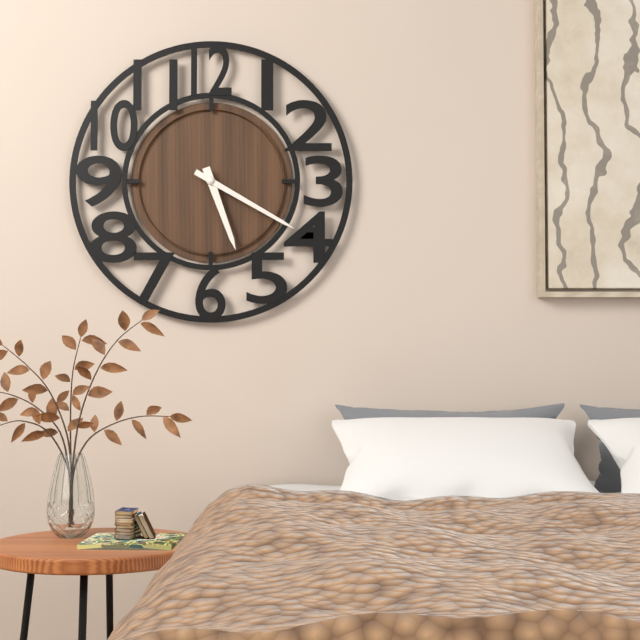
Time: {"hour": 5, "minute": 20}
